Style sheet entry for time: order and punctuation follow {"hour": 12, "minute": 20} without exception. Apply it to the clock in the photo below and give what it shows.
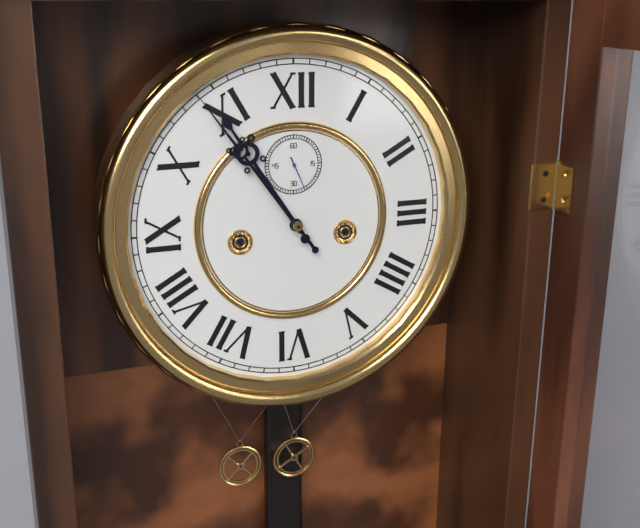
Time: {"hour": 10, "minute": 54}
